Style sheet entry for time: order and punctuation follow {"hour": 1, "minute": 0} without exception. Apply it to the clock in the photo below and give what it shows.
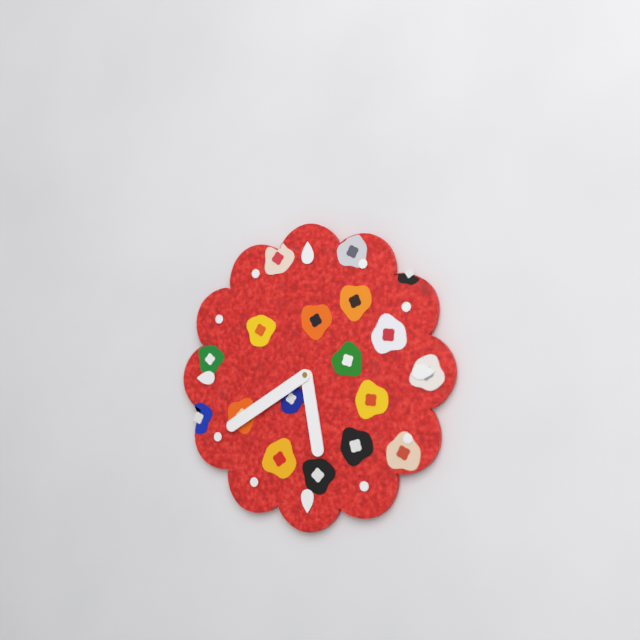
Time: {"hour": 5, "minute": 40}
